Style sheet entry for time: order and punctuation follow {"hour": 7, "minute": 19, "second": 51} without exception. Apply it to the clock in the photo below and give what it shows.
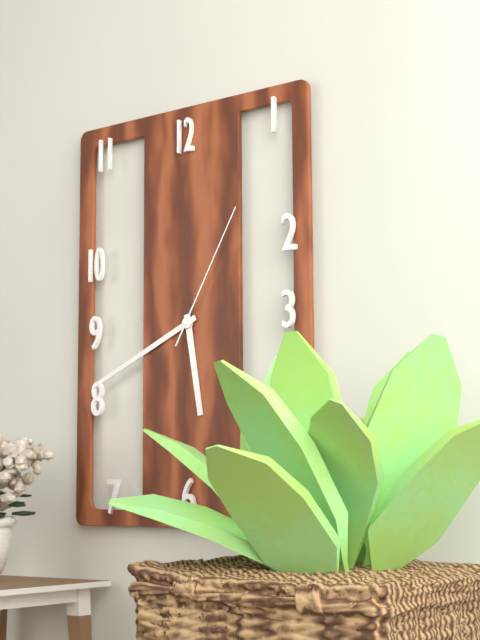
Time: {"hour": 5, "minute": 41, "second": 5}
